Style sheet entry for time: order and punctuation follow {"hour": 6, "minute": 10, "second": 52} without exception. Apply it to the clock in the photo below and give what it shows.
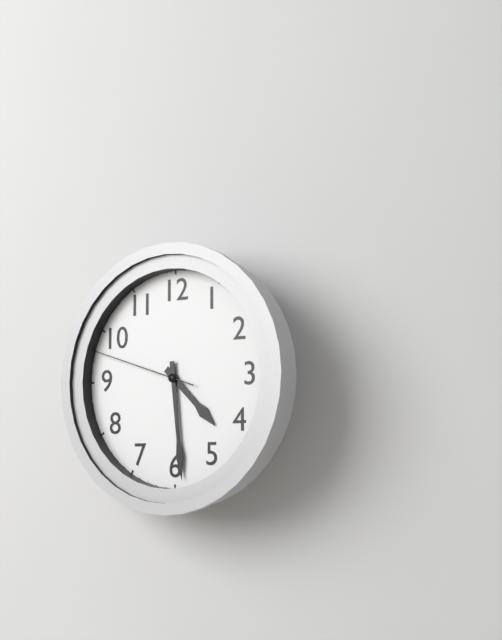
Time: {"hour": 4, "minute": 29, "second": 48}
